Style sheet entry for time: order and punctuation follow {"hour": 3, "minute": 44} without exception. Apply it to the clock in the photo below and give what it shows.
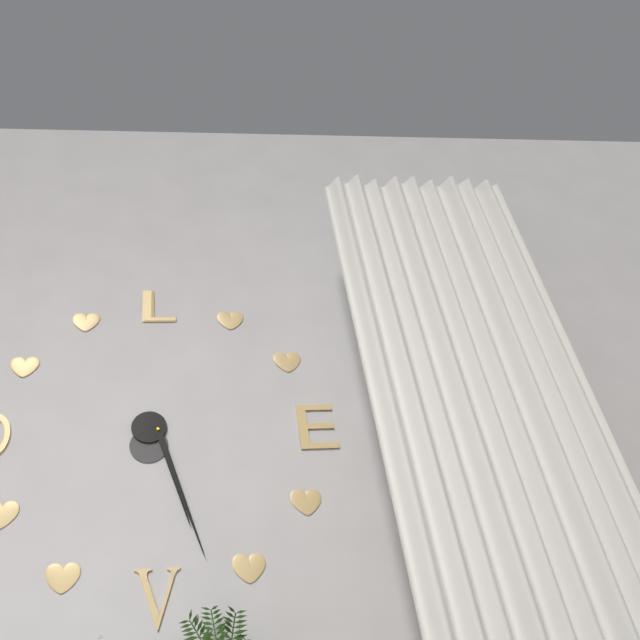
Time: {"hour": 5, "minute": 27}
